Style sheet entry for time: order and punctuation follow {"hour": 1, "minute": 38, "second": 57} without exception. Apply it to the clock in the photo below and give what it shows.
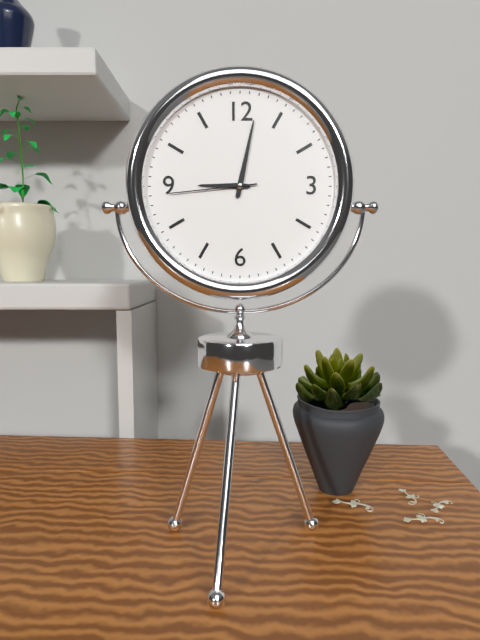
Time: {"hour": 9, "minute": 2, "second": 44}
